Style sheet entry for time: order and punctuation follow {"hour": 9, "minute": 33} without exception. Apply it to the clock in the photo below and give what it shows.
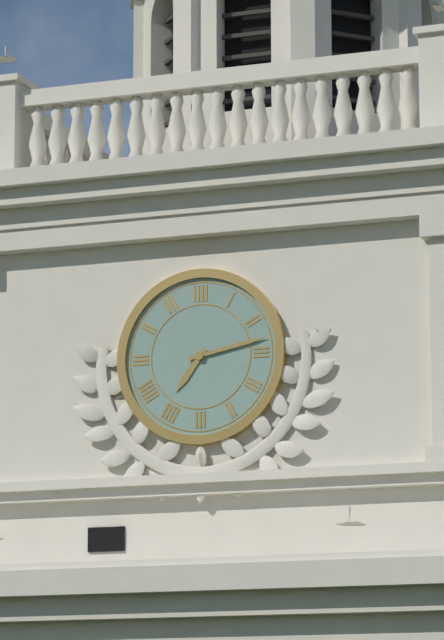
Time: {"hour": 7, "minute": 13}
